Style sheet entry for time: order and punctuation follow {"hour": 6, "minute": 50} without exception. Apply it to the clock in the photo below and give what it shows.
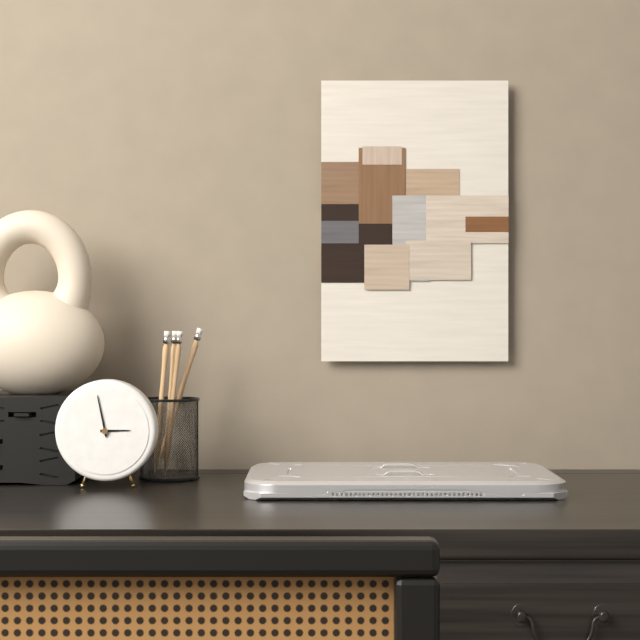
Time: {"hour": 2, "minute": 58}
